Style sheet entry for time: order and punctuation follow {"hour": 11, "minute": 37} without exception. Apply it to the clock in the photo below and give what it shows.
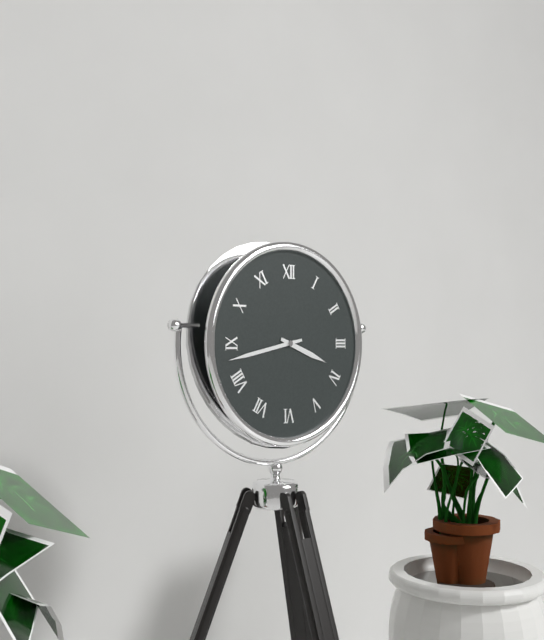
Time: {"hour": 3, "minute": 43}
